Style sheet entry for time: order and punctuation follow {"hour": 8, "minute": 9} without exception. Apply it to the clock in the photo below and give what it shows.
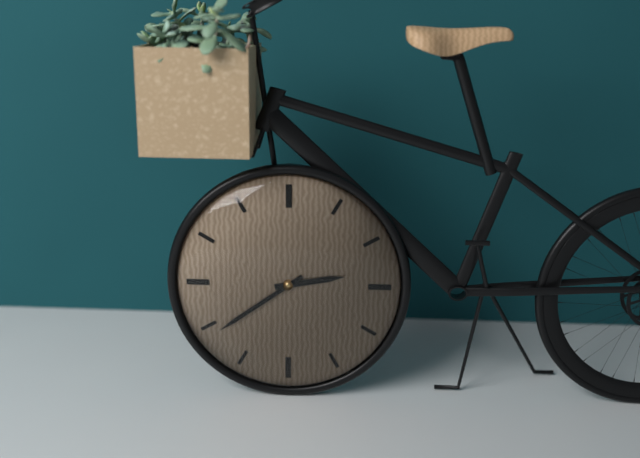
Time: {"hour": 2, "minute": 39}
